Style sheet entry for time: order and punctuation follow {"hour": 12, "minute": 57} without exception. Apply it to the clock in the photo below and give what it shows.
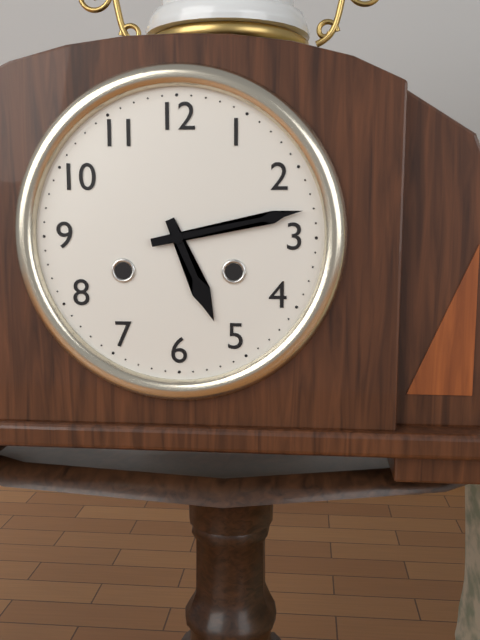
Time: {"hour": 5, "minute": 13}
